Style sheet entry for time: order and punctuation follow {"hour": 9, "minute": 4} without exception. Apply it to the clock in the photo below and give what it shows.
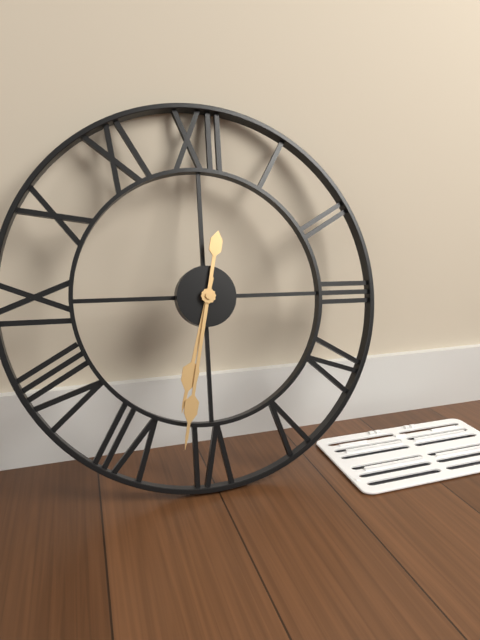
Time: {"hour": 6, "minute": 32}
